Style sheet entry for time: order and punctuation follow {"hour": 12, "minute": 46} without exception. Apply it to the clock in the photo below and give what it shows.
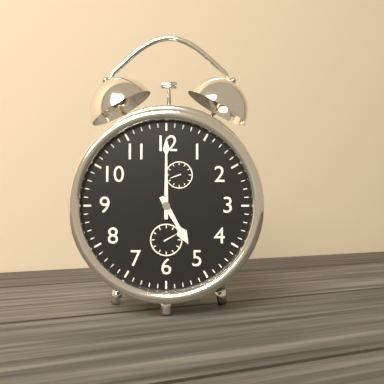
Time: {"hour": 5, "minute": 0}
